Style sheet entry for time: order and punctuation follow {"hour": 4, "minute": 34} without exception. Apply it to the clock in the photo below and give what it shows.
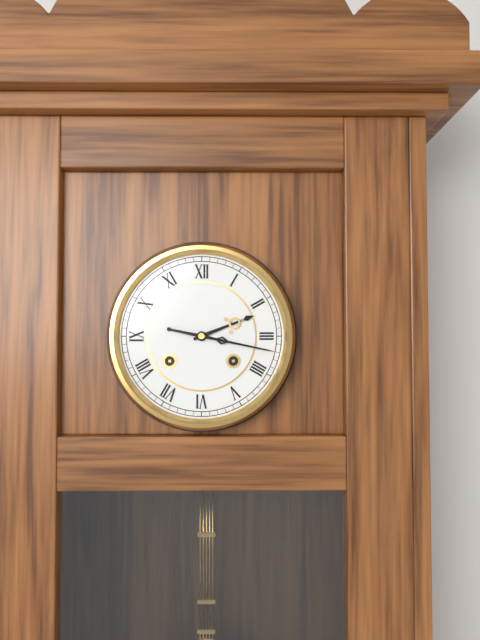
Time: {"hour": 2, "minute": 17}
